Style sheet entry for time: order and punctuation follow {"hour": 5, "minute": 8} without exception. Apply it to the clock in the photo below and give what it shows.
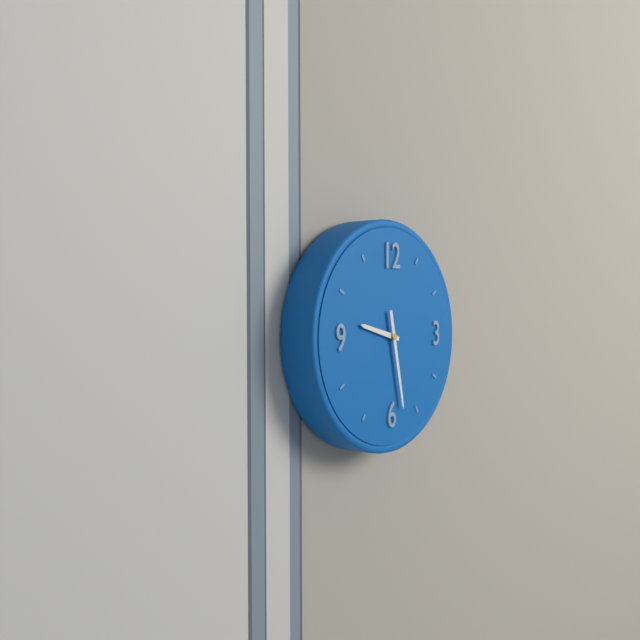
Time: {"hour": 9, "minute": 28}
